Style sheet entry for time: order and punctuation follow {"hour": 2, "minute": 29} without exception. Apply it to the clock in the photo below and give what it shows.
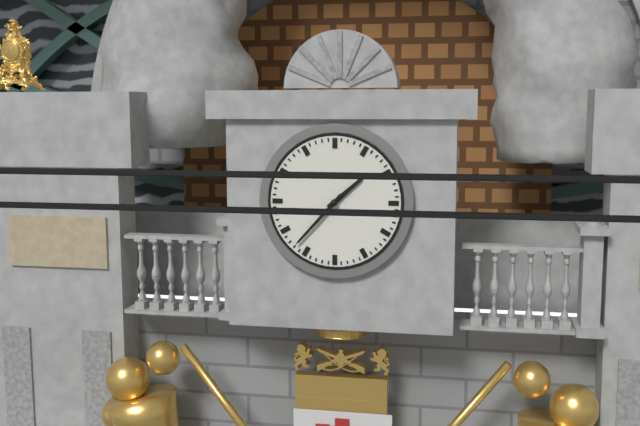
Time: {"hour": 1, "minute": 37}
